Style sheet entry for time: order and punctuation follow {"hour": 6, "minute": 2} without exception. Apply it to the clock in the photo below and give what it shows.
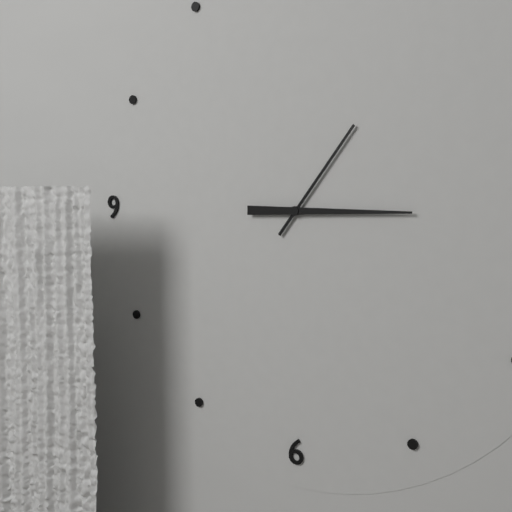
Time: {"hour": 1, "minute": 15}
